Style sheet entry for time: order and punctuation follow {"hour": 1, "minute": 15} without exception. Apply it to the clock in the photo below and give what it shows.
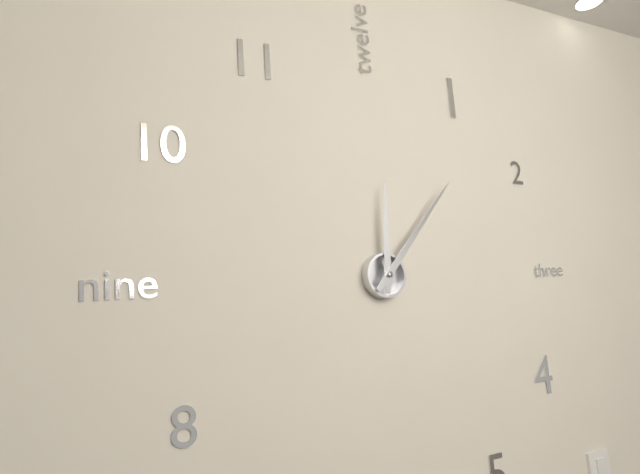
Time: {"hour": 12, "minute": 7}
